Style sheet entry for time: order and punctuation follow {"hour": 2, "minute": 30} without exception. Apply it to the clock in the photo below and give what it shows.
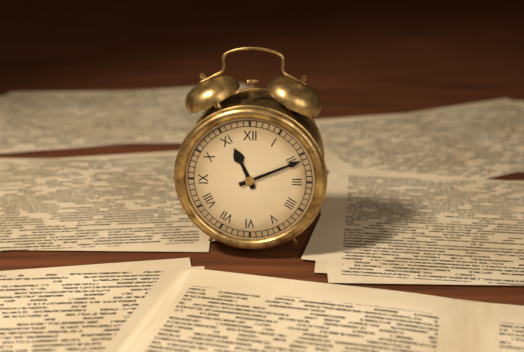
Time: {"hour": 11, "minute": 11}
